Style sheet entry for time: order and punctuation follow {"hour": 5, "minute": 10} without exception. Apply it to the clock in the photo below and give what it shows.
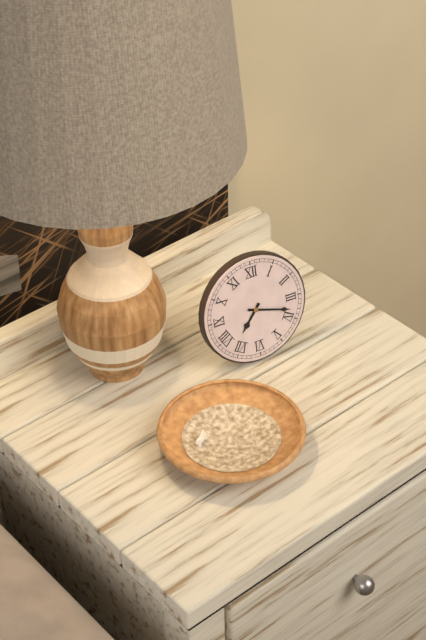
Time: {"hour": 7, "minute": 18}
